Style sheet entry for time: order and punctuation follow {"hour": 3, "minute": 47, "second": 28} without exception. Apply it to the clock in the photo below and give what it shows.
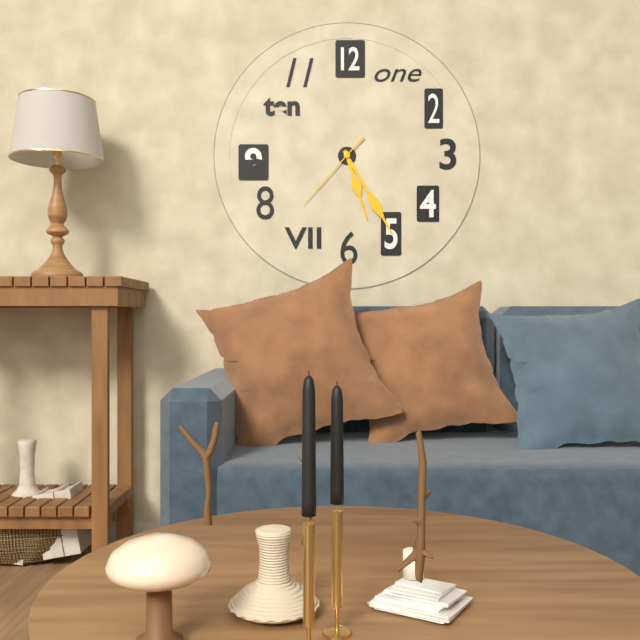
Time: {"hour": 5, "minute": 25, "second": 37}
